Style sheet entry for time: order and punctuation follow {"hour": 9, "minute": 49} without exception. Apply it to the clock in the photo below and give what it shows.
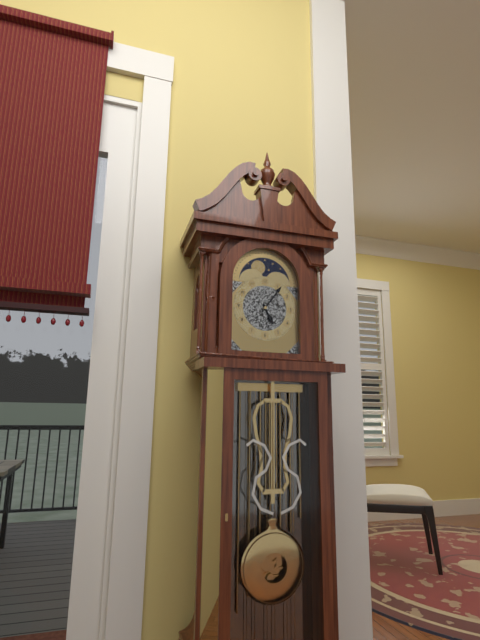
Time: {"hour": 5, "minute": 6}
